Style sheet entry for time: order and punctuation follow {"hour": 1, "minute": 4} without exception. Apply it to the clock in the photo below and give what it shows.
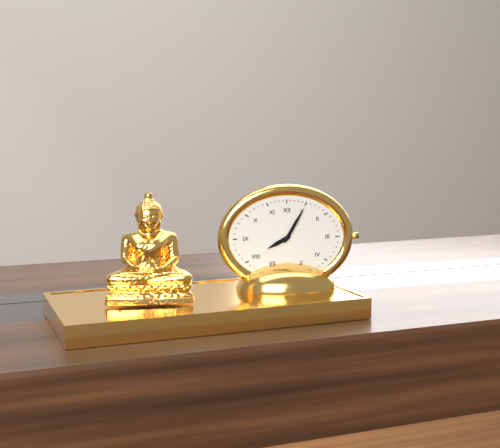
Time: {"hour": 8, "minute": 5}
